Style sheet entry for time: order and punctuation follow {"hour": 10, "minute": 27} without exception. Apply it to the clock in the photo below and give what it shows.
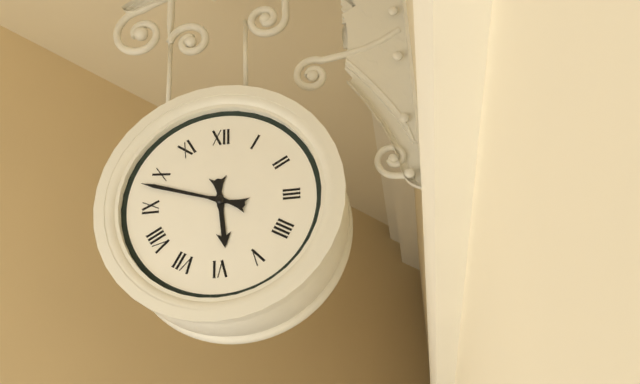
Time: {"hour": 5, "minute": 48}
